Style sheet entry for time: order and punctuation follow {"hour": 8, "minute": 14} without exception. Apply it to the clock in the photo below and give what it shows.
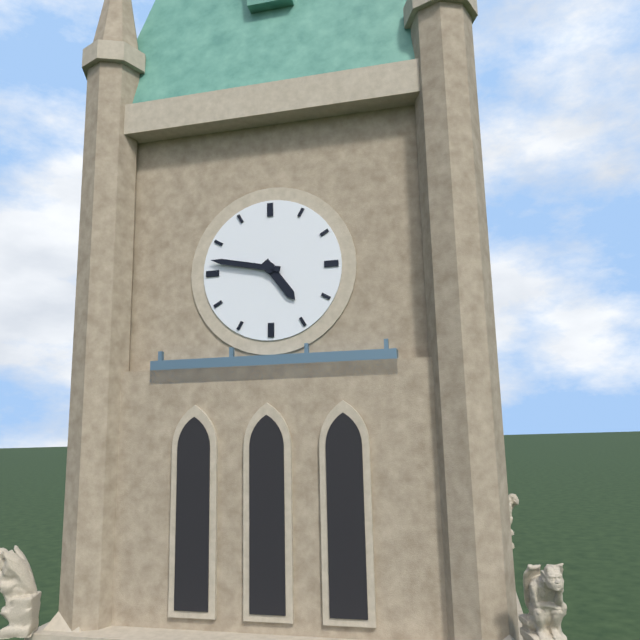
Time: {"hour": 4, "minute": 47}
